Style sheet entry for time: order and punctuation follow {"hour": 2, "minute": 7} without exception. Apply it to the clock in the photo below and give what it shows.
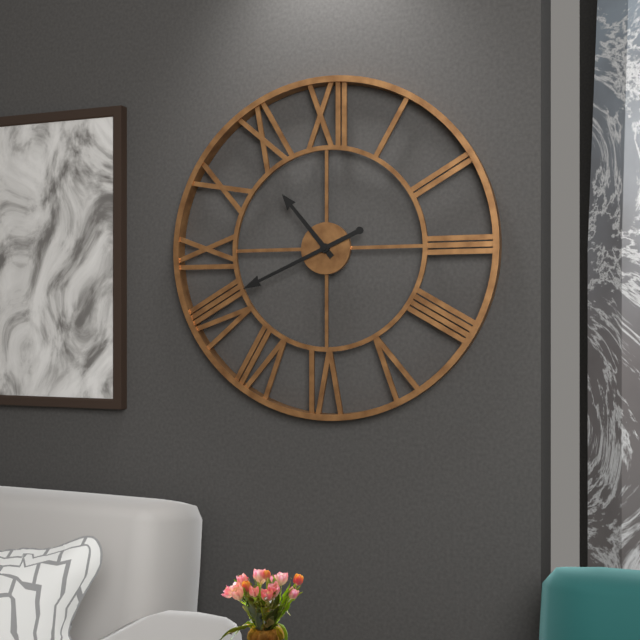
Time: {"hour": 10, "minute": 41}
